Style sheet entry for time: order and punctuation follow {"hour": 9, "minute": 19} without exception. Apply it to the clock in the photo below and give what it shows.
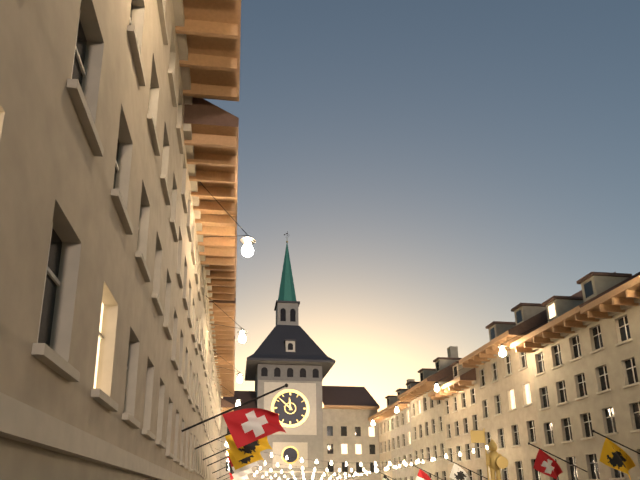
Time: {"hour": 11, "minute": 52}
